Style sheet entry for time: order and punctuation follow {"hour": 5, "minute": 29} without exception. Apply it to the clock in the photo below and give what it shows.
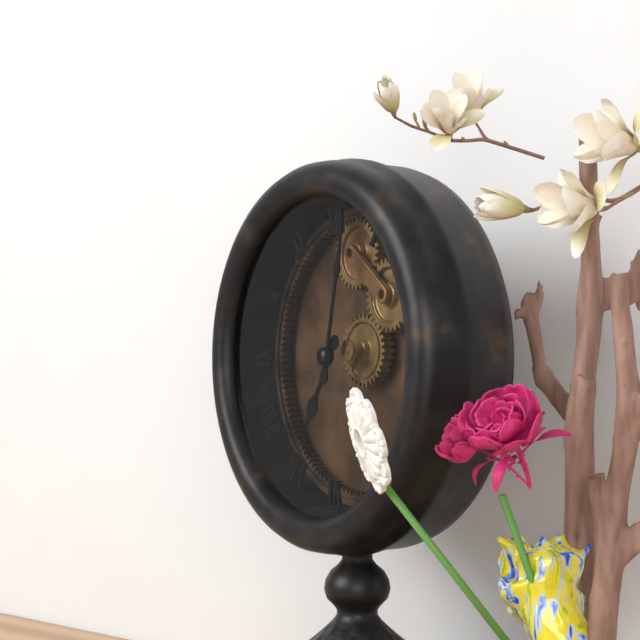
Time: {"hour": 7, "minute": 2}
